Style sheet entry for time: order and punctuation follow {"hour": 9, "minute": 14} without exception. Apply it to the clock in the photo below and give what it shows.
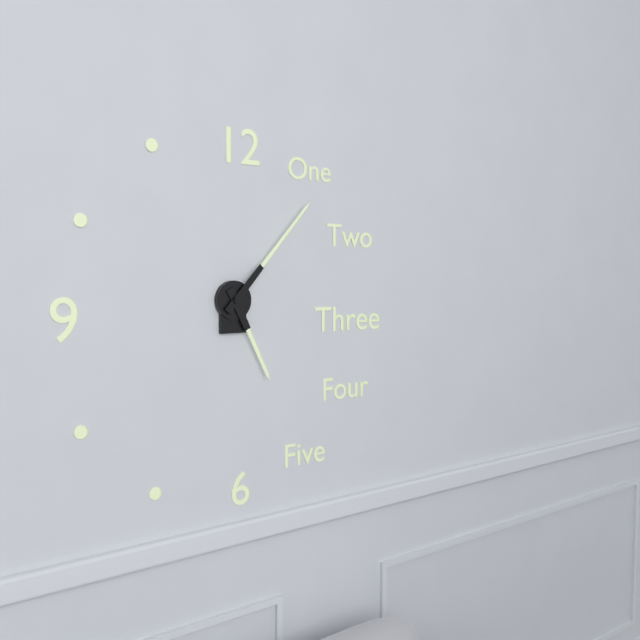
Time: {"hour": 5, "minute": 7}
